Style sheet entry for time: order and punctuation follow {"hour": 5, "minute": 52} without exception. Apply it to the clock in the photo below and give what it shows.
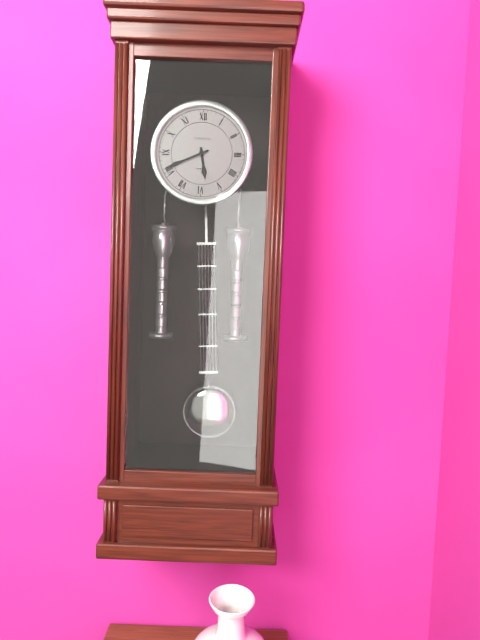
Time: {"hour": 5, "minute": 41}
